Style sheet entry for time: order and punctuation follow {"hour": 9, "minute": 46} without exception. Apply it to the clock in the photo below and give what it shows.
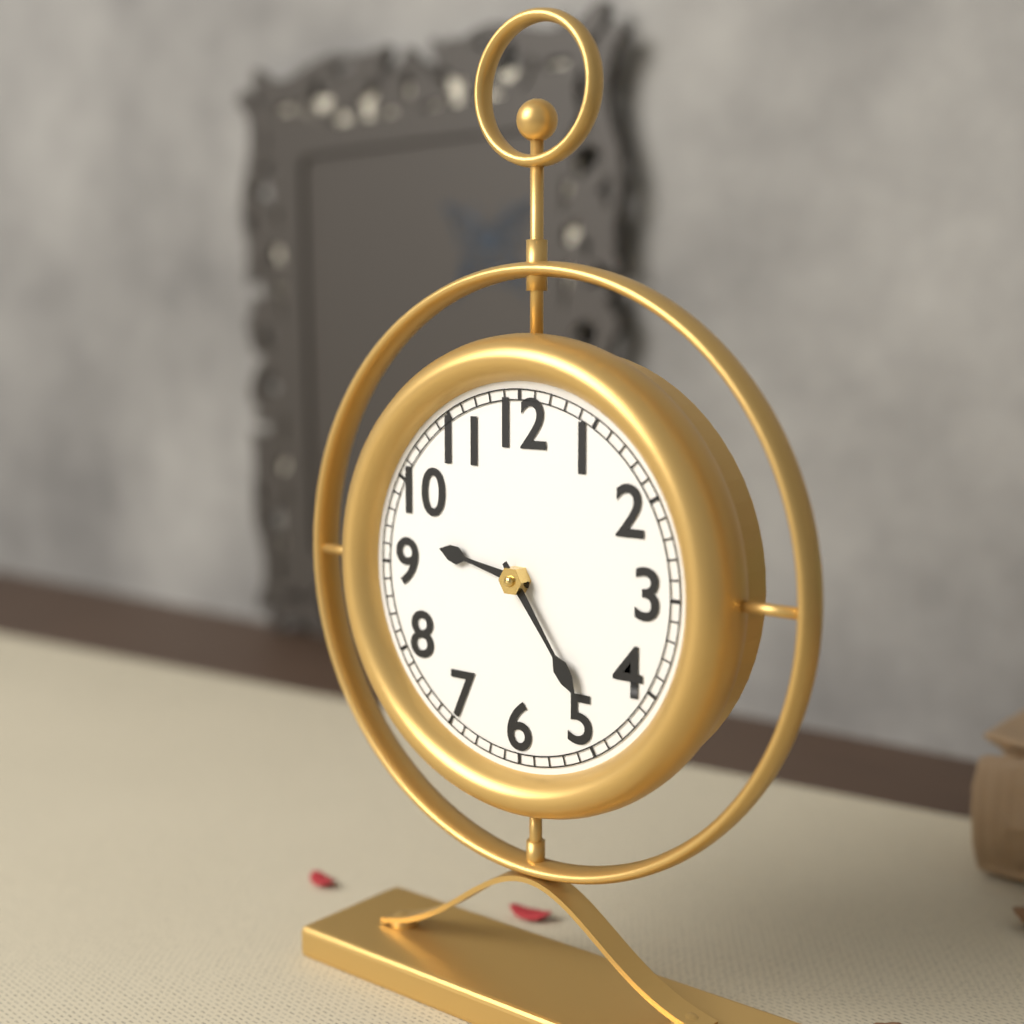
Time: {"hour": 9, "minute": 24}
